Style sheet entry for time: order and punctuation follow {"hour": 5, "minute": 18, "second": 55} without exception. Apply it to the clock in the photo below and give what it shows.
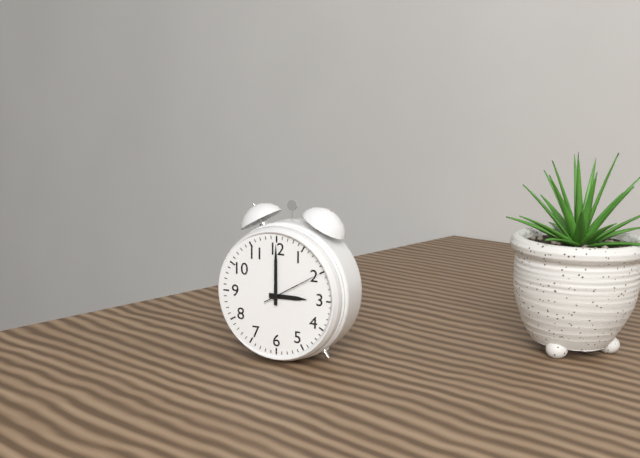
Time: {"hour": 3, "minute": 0, "second": 10}
